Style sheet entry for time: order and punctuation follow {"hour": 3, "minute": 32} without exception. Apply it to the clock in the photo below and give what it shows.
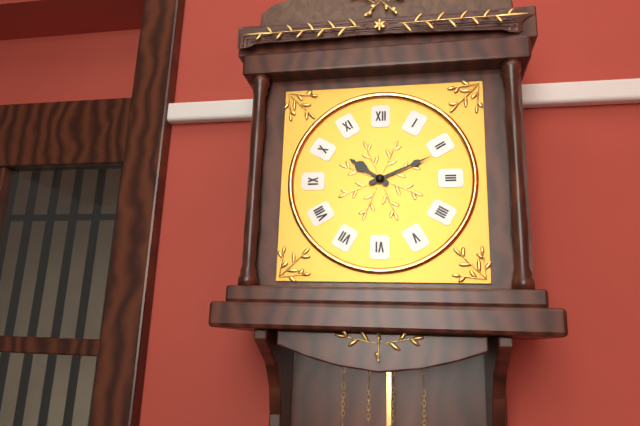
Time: {"hour": 10, "minute": 11}
